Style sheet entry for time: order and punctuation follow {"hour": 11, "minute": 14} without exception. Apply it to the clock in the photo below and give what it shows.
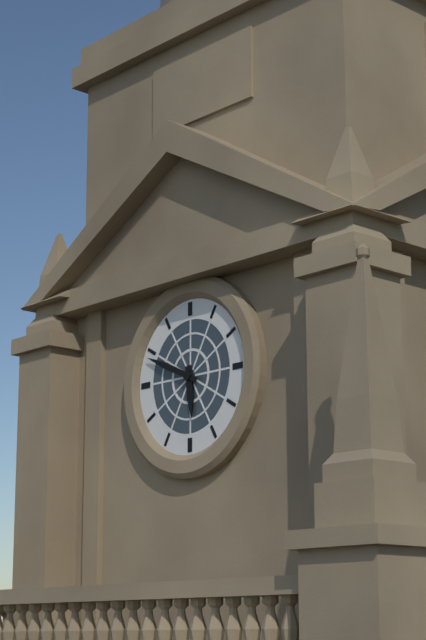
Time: {"hour": 5, "minute": 49}
